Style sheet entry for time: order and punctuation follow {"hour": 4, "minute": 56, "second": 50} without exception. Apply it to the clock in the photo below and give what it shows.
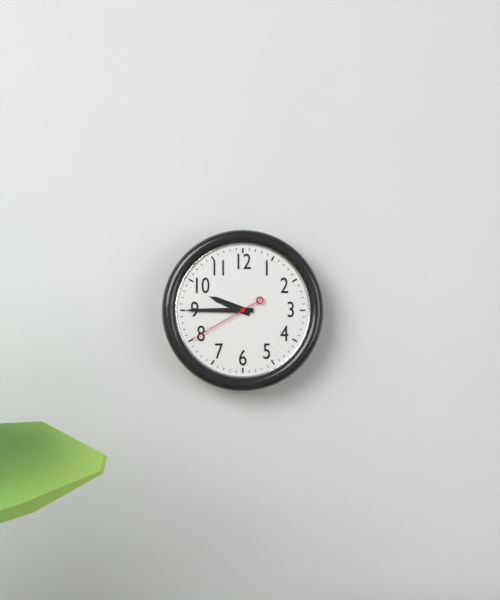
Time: {"hour": 9, "minute": 45, "second": 40}
